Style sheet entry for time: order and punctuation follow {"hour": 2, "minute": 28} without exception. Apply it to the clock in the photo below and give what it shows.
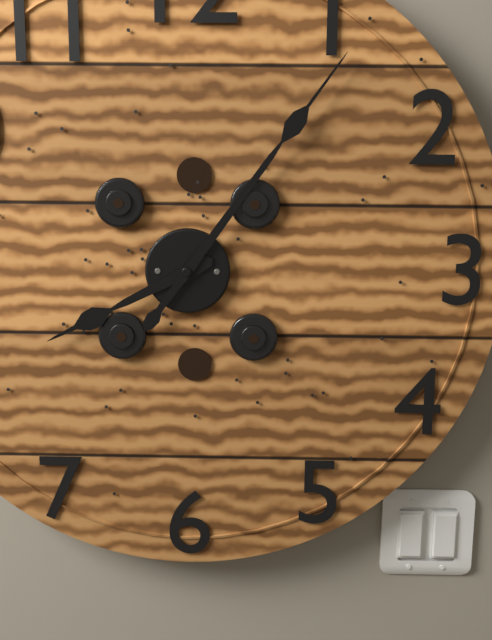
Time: {"hour": 8, "minute": 6}
